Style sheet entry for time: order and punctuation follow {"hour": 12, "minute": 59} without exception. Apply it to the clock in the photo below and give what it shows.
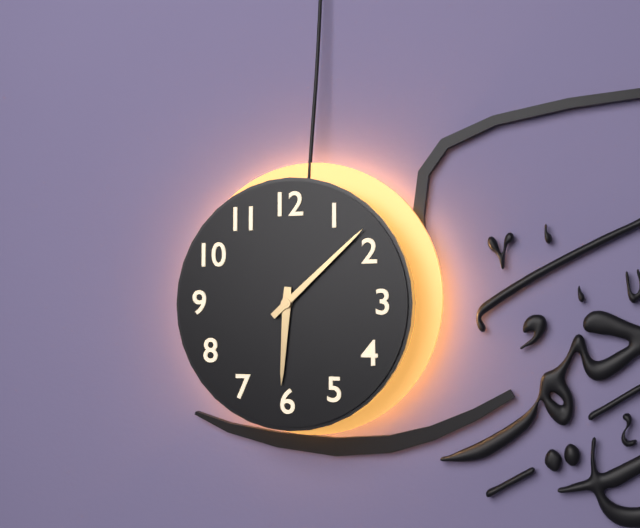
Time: {"hour": 6, "minute": 8}
